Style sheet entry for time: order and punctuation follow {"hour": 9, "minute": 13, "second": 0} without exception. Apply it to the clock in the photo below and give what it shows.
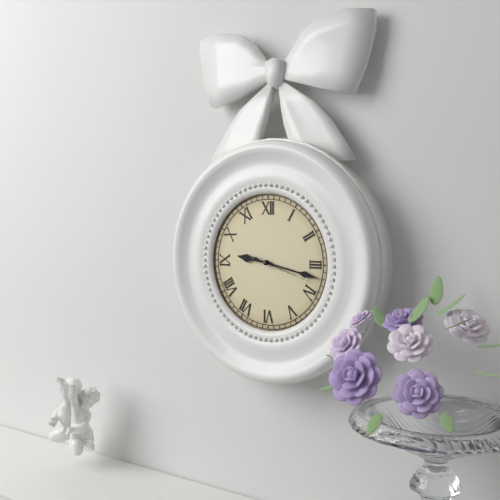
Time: {"hour": 9, "minute": 17, "second": 18}
